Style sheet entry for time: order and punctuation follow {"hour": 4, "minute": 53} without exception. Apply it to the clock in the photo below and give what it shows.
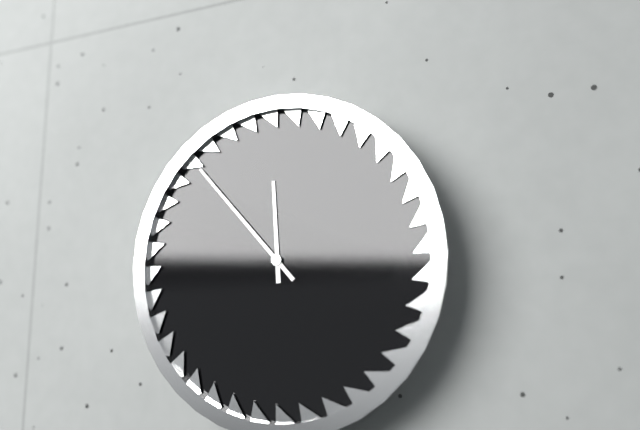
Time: {"hour": 11, "minute": 53}
